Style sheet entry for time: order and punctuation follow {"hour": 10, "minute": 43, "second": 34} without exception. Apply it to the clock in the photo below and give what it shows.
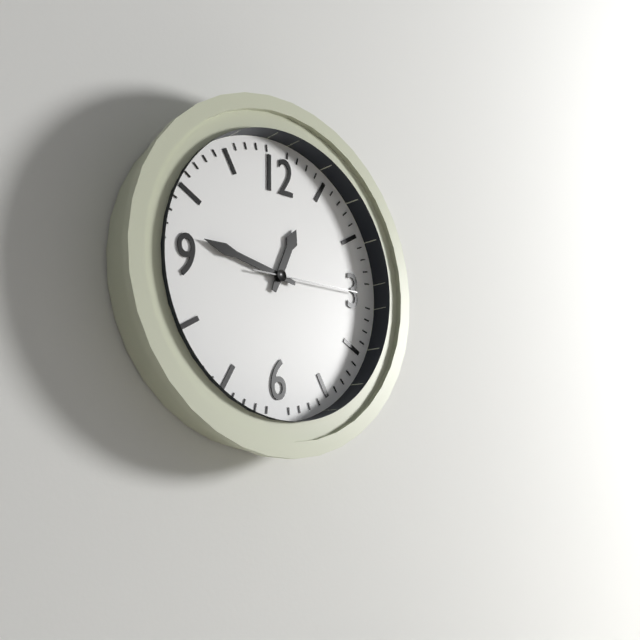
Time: {"hour": 12, "minute": 47, "second": 15}
